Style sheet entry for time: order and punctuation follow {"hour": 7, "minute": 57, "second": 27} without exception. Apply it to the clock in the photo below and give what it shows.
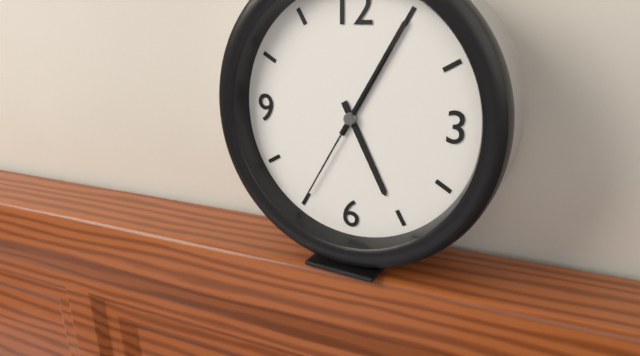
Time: {"hour": 5, "minute": 5, "second": 35}
